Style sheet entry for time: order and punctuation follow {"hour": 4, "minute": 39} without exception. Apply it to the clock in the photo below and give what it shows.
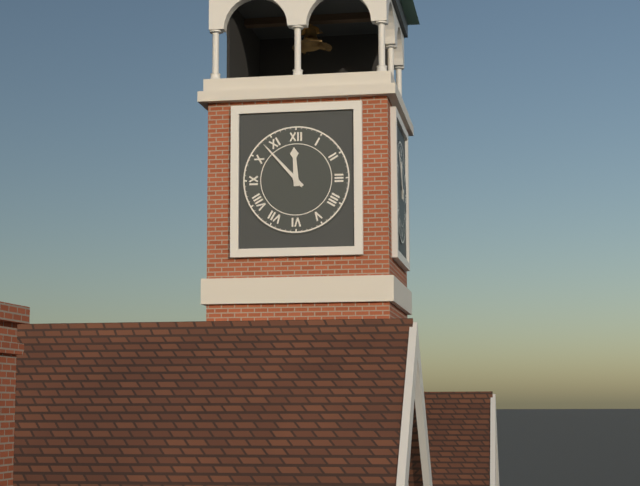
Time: {"hour": 11, "minute": 53}
